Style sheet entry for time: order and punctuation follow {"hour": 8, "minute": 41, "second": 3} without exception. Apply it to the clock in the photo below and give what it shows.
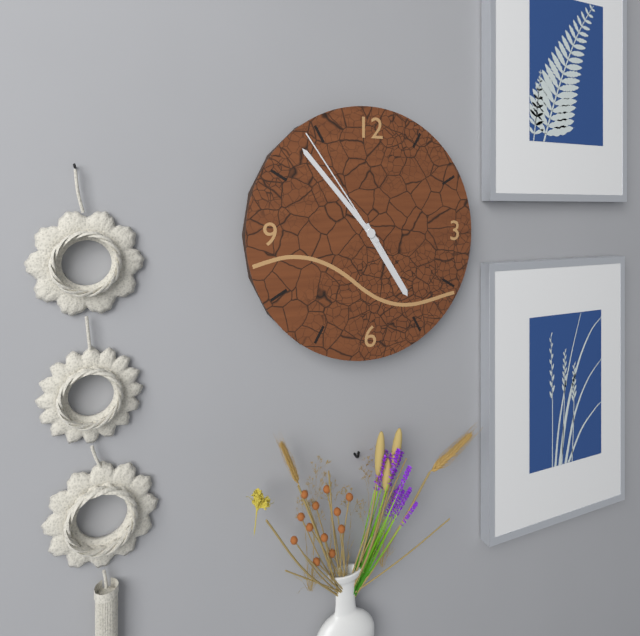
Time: {"hour": 4, "minute": 53, "second": 54}
